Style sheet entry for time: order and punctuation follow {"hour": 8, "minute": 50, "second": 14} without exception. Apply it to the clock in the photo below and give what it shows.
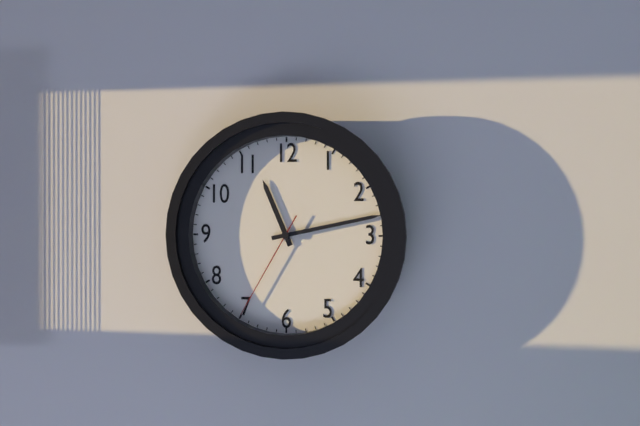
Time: {"hour": 11, "minute": 13, "second": 35}
